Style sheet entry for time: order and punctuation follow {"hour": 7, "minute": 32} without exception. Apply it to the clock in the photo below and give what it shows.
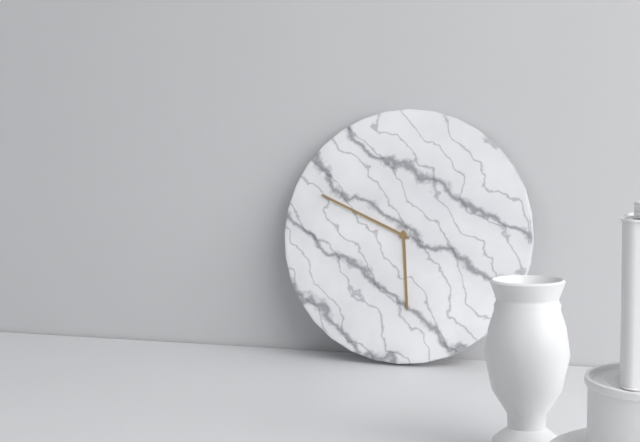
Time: {"hour": 5, "minute": 49}
